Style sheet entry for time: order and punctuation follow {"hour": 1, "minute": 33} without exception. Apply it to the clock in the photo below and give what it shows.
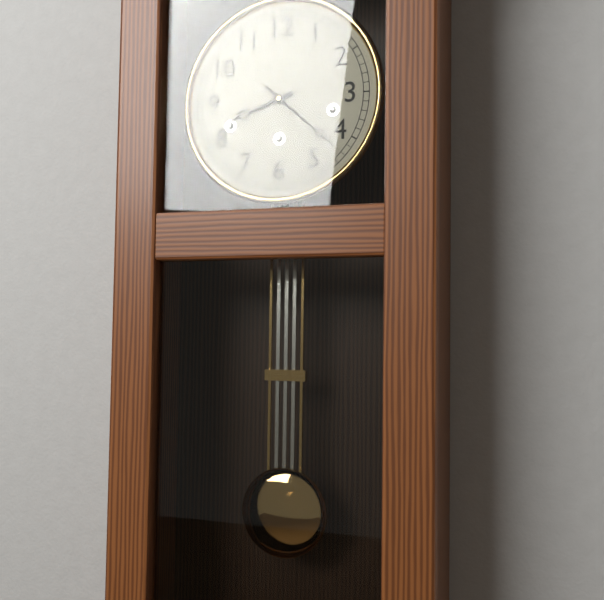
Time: {"hour": 8, "minute": 22}
